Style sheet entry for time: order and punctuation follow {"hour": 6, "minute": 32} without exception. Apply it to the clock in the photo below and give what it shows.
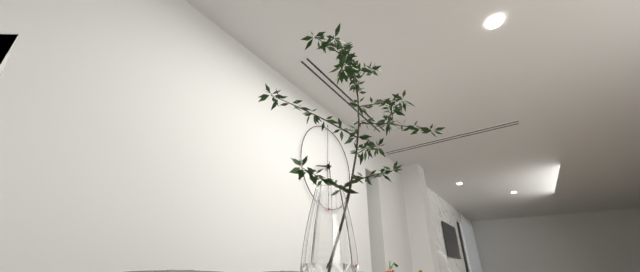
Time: {"hour": 8, "minute": 29}
